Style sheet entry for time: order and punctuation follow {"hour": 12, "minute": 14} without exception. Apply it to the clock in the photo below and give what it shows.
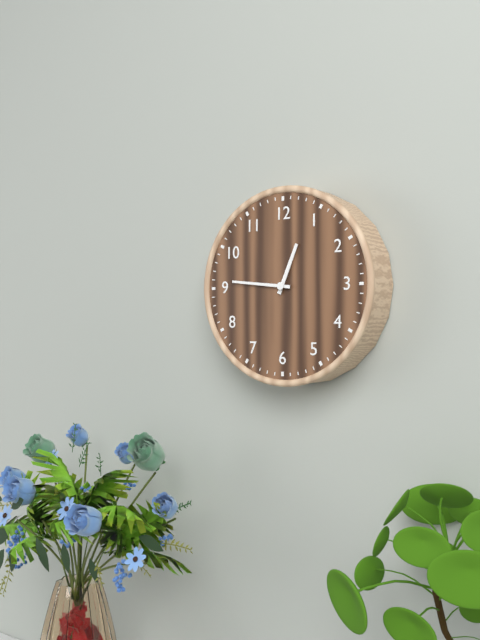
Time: {"hour": 12, "minute": 46}
